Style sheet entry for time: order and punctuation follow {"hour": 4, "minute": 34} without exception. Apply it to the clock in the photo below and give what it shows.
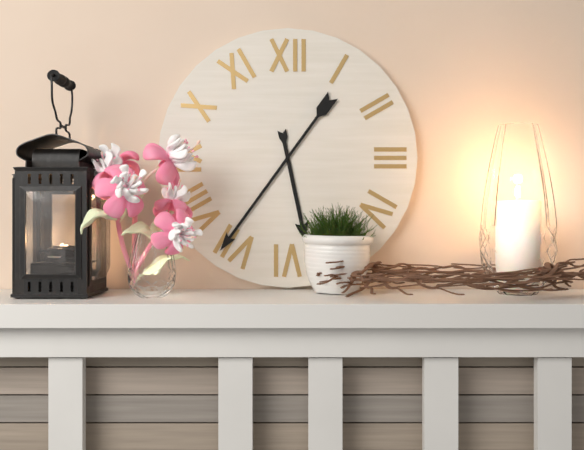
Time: {"hour": 5, "minute": 36}
